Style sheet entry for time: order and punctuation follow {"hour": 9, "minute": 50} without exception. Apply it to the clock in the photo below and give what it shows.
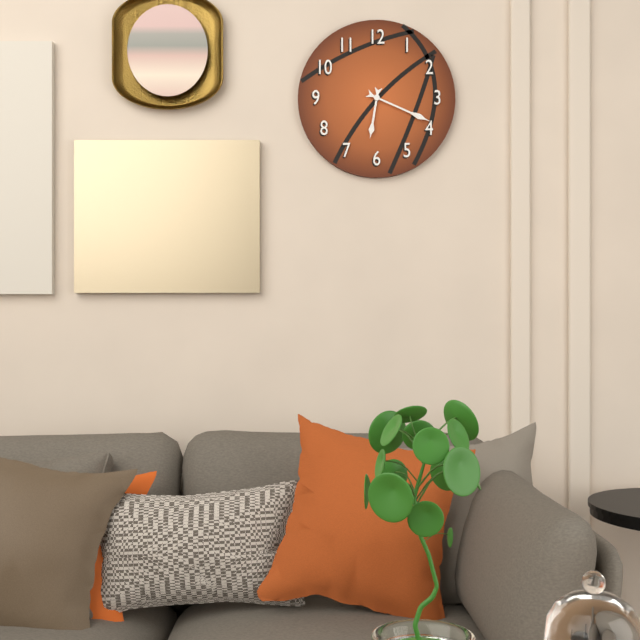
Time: {"hour": 6, "minute": 19}
